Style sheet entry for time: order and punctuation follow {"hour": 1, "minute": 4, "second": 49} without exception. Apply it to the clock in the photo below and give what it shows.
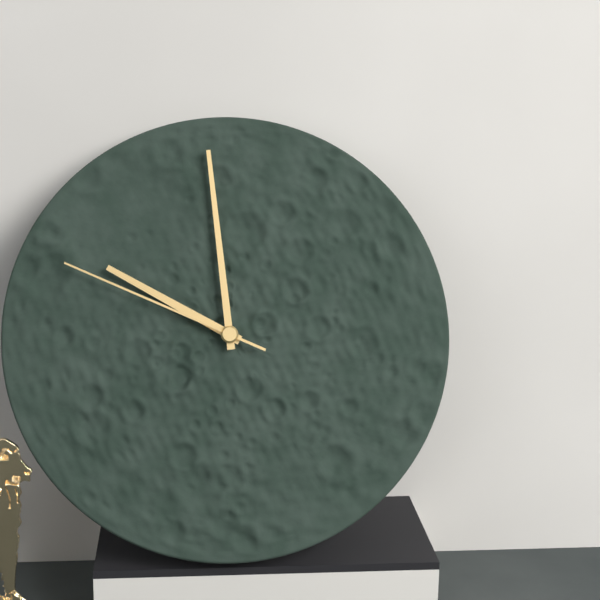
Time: {"hour": 9, "minute": 59, "second": 49}
